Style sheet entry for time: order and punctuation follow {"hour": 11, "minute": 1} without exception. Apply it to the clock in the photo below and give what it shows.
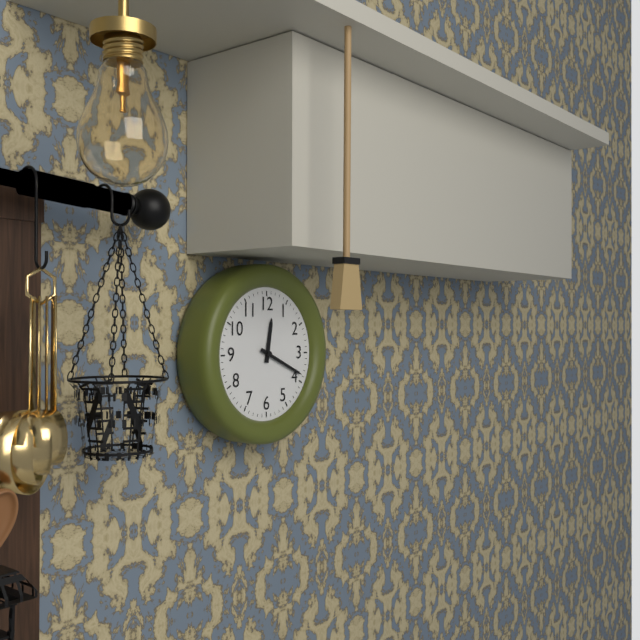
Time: {"hour": 12, "minute": 19}
